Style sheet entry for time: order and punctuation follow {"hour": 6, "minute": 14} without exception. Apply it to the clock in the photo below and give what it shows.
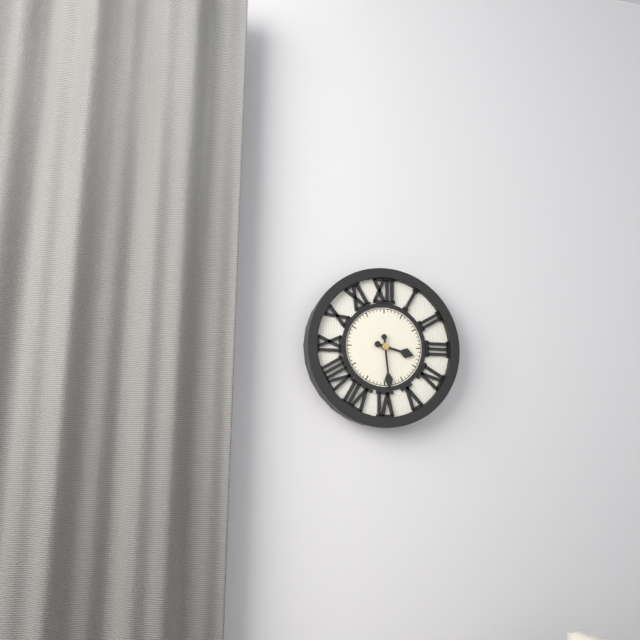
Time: {"hour": 3, "minute": 29}
